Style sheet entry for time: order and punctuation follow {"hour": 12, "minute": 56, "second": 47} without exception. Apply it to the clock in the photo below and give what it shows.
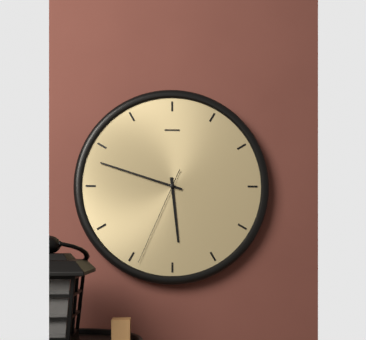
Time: {"hour": 5, "minute": 48, "second": 34}
